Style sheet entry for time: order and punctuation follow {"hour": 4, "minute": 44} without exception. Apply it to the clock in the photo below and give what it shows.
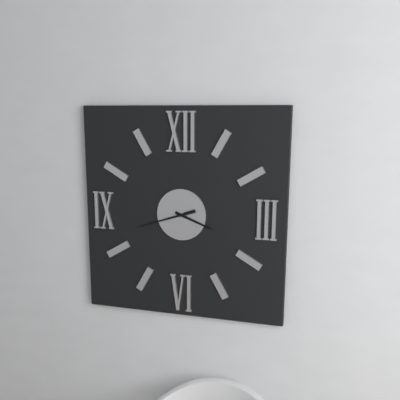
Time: {"hour": 3, "minute": 42}
